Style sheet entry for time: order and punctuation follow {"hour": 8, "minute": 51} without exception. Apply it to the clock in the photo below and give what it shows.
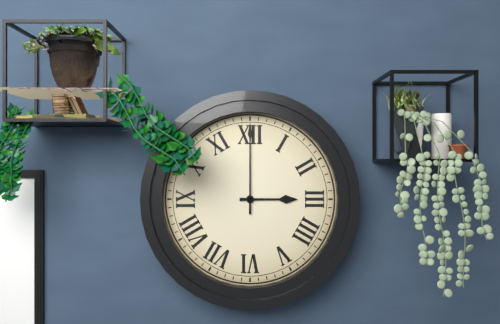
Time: {"hour": 3, "minute": 0}
